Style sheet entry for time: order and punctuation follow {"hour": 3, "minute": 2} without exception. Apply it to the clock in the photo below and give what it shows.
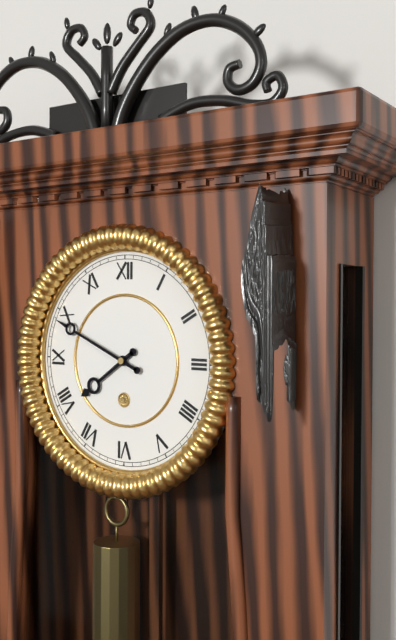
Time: {"hour": 7, "minute": 49}
